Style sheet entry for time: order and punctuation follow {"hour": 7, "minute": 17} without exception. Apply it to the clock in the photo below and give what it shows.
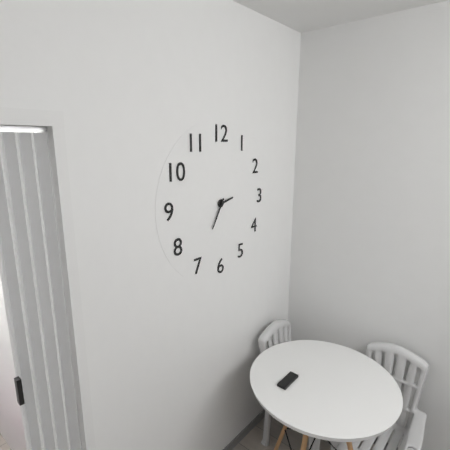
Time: {"hour": 2, "minute": 35}
